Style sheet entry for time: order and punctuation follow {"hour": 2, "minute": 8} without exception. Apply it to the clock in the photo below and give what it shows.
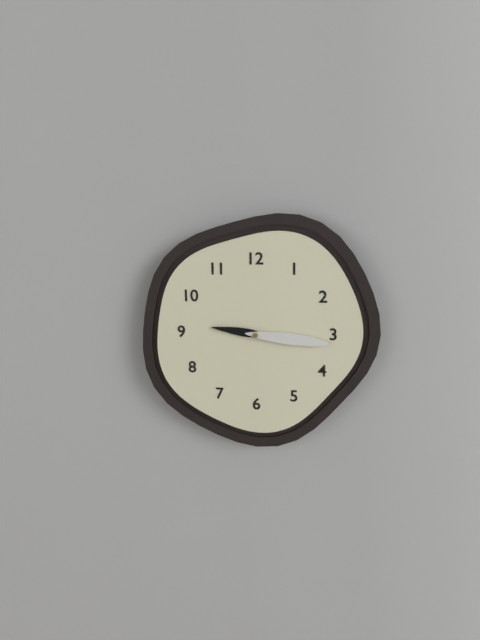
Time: {"hour": 9, "minute": 16}
